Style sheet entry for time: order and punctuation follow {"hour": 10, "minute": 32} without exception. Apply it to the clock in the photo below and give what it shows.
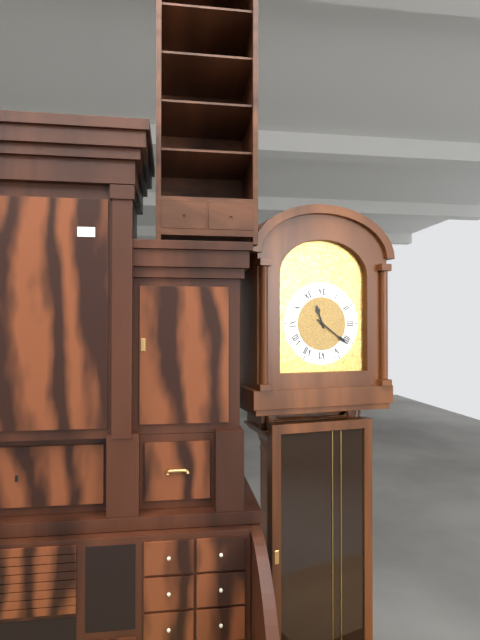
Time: {"hour": 11, "minute": 21}
